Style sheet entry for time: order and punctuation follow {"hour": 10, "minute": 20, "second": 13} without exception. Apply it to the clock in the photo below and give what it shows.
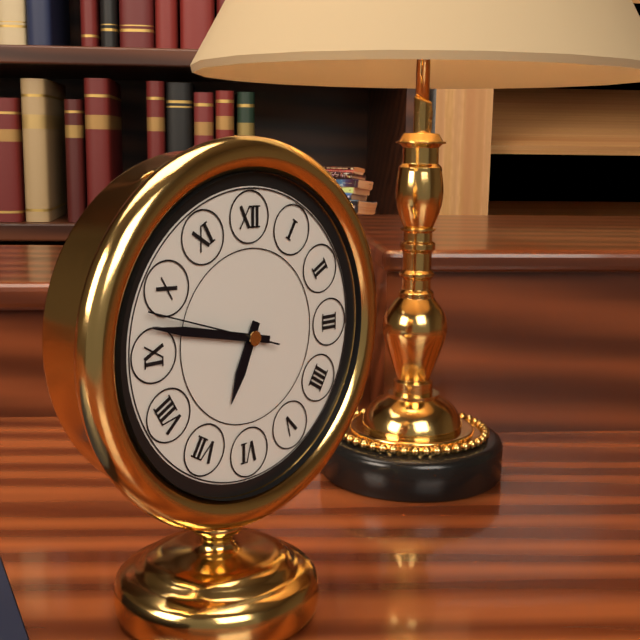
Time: {"hour": 6, "minute": 47, "second": 48}
